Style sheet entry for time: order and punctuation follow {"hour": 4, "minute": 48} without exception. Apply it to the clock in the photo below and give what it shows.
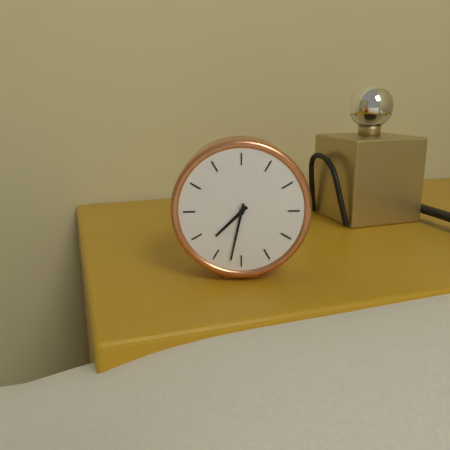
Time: {"hour": 7, "minute": 32}
